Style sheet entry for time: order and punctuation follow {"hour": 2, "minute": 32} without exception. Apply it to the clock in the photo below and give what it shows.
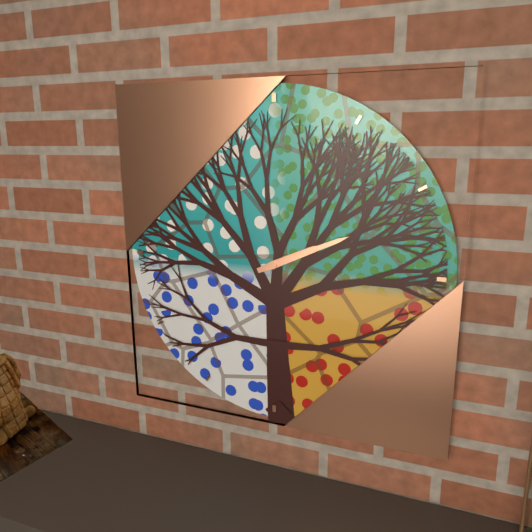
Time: {"hour": 2, "minute": 11}
